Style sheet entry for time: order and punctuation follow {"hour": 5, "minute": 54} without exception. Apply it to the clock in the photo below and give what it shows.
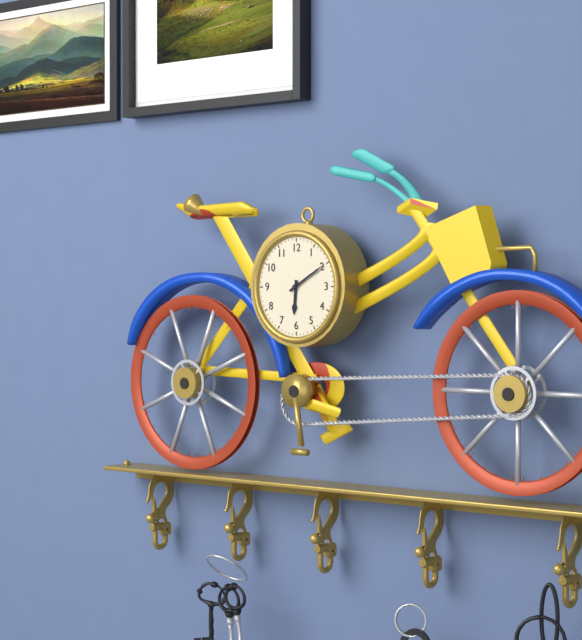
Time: {"hour": 6, "minute": 10}
